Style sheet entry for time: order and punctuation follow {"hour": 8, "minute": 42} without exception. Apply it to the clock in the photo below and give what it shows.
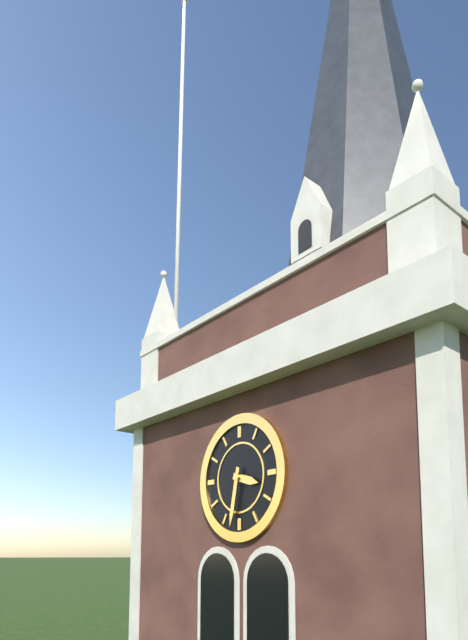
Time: {"hour": 3, "minute": 32}
